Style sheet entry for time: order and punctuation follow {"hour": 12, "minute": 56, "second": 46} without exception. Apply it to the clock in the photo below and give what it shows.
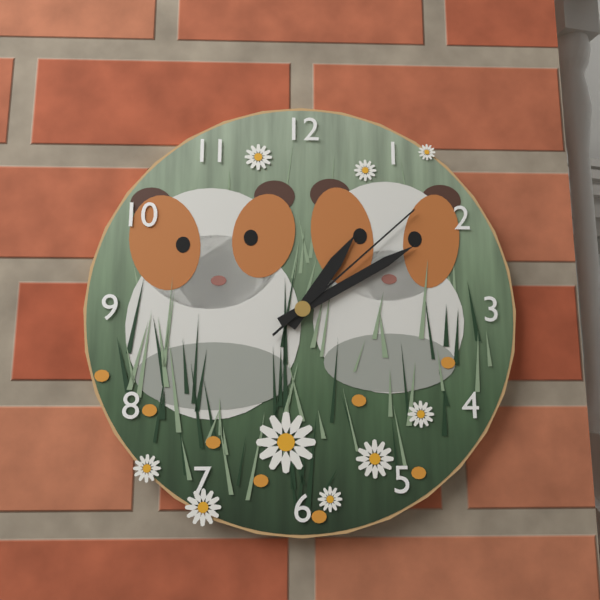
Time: {"hour": 1, "minute": 10, "second": 8}
